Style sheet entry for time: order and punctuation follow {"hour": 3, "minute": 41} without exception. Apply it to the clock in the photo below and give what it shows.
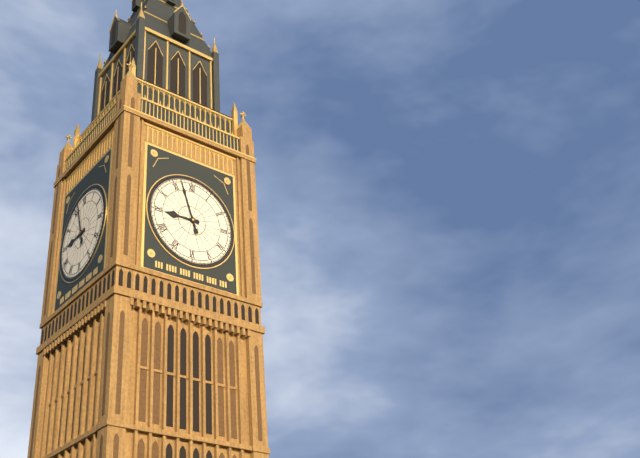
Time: {"hour": 8, "minute": 57}
